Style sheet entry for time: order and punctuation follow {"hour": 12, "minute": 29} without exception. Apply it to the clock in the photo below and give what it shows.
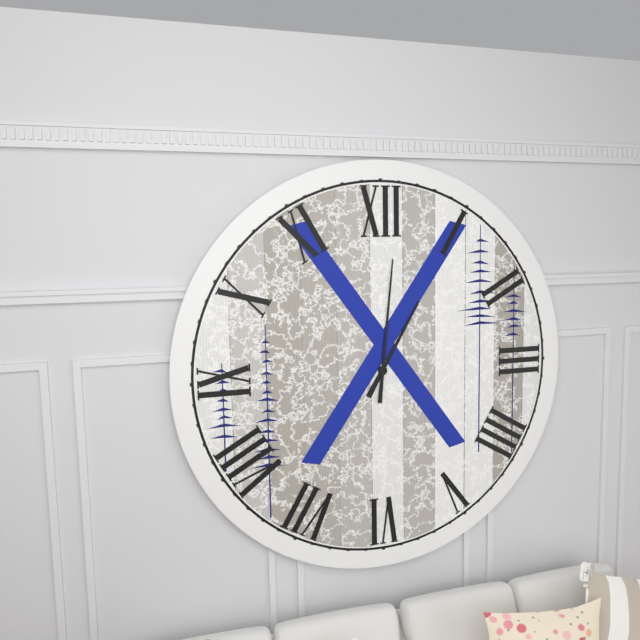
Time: {"hour": 1, "minute": 1}
